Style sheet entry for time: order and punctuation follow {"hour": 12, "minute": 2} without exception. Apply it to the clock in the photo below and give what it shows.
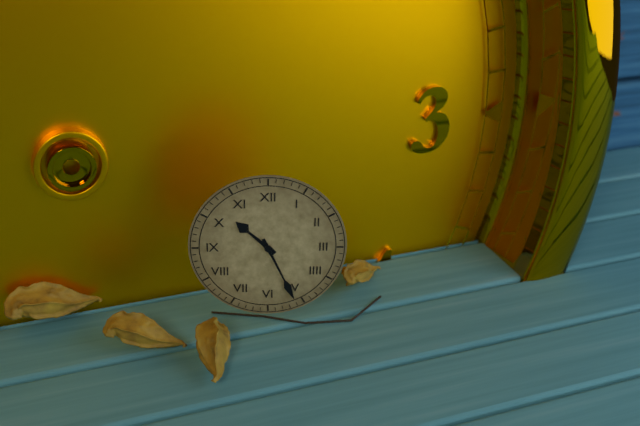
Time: {"hour": 10, "minute": 26}
